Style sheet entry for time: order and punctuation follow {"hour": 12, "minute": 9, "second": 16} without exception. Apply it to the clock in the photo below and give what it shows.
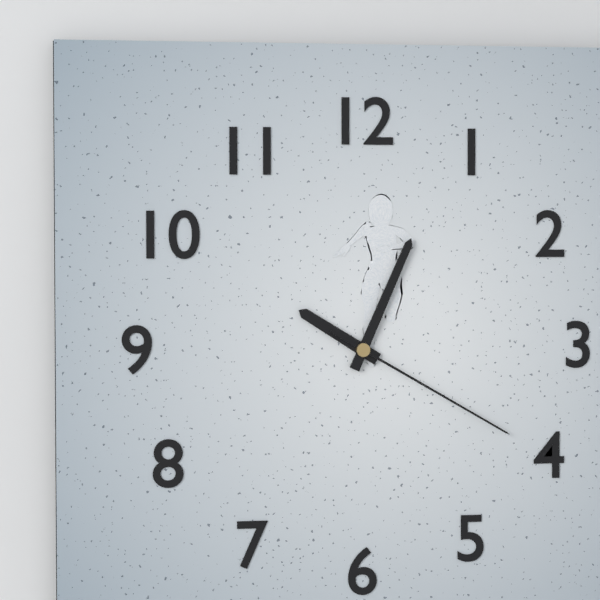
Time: {"hour": 10, "minute": 4, "second": 20}
